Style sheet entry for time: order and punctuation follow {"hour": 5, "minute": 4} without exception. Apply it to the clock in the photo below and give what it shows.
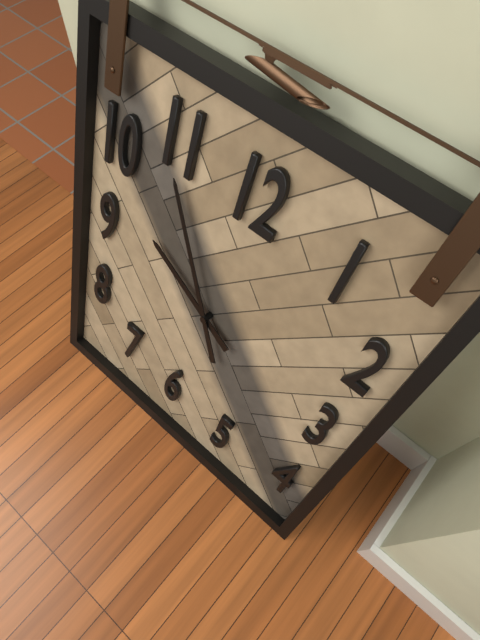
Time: {"hour": 9, "minute": 55}
